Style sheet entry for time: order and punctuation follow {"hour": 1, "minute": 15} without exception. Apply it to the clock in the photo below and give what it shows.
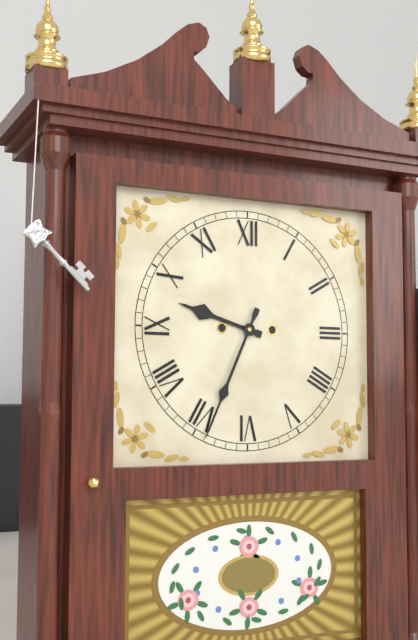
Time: {"hour": 9, "minute": 34}
